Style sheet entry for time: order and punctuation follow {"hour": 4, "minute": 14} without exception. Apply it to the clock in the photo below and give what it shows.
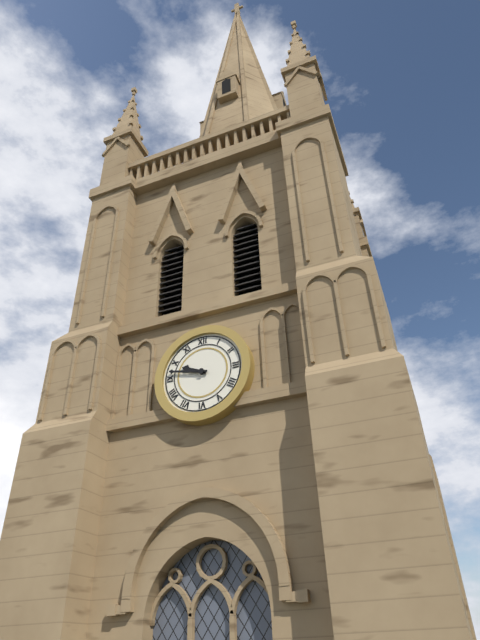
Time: {"hour": 9, "minute": 47}
